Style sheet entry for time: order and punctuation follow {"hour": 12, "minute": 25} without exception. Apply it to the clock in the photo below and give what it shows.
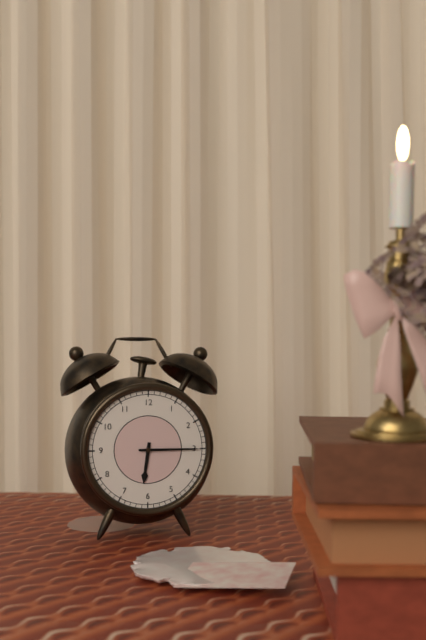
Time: {"hour": 6, "minute": 15}
